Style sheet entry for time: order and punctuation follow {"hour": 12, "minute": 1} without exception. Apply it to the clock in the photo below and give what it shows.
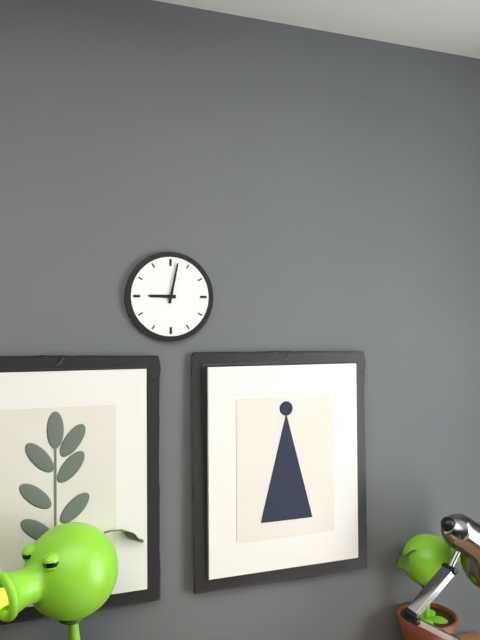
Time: {"hour": 9, "minute": 2}
